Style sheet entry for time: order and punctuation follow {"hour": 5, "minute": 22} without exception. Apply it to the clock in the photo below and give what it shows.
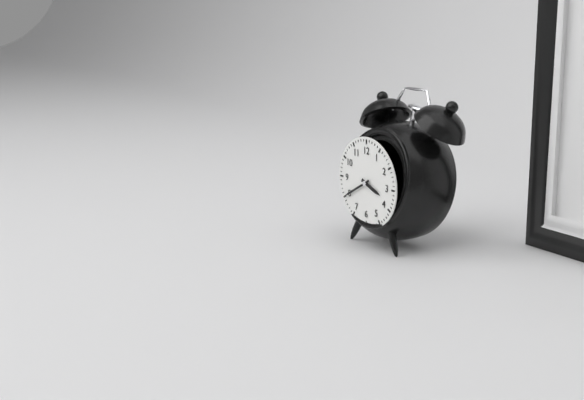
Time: {"hour": 3, "minute": 40}
